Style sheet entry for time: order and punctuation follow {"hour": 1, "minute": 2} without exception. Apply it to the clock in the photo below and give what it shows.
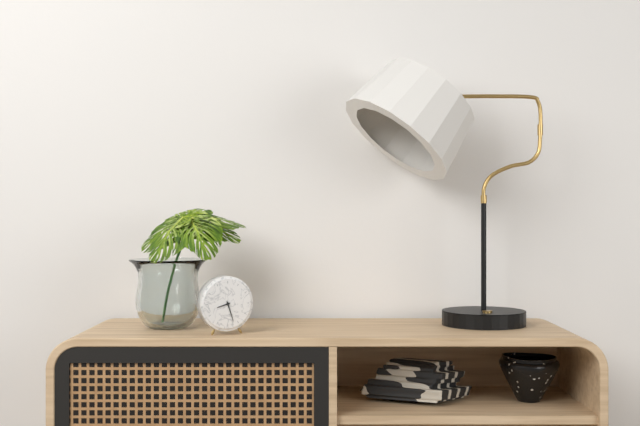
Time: {"hour": 8, "minute": 27}
